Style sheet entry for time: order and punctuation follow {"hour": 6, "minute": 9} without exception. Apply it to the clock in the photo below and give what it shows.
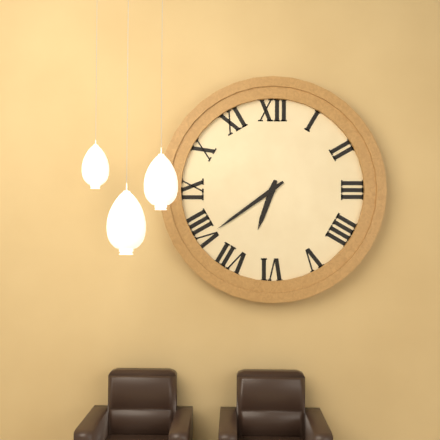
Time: {"hour": 6, "minute": 39}
